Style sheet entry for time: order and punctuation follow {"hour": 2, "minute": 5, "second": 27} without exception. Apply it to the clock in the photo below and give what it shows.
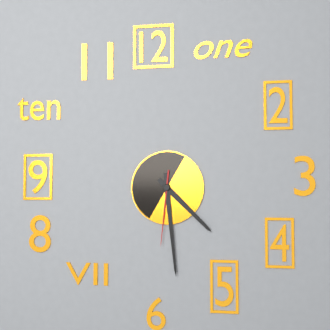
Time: {"hour": 4, "minute": 29, "second": 31}
